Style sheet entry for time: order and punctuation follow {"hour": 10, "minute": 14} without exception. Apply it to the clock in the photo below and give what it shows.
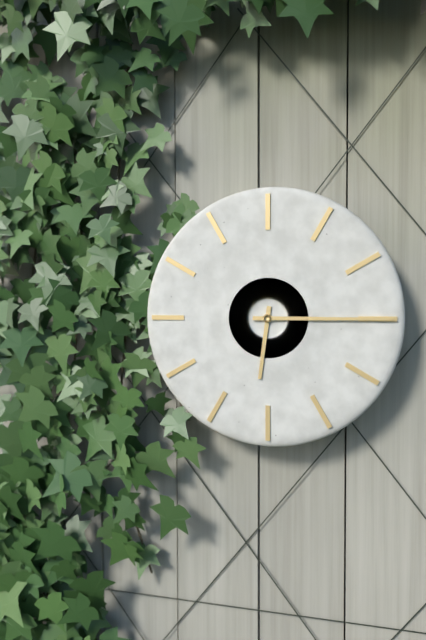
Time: {"hour": 6, "minute": 15}
